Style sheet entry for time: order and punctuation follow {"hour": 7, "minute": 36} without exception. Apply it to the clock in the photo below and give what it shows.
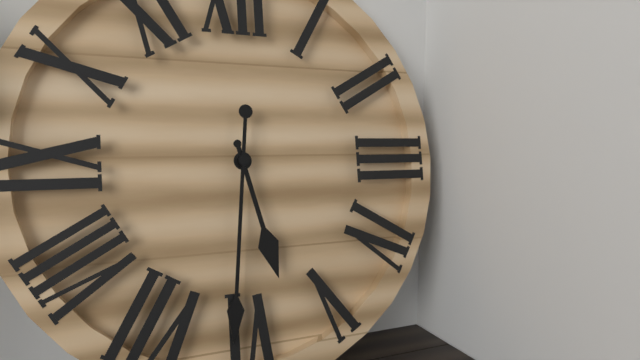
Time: {"hour": 5, "minute": 31}
